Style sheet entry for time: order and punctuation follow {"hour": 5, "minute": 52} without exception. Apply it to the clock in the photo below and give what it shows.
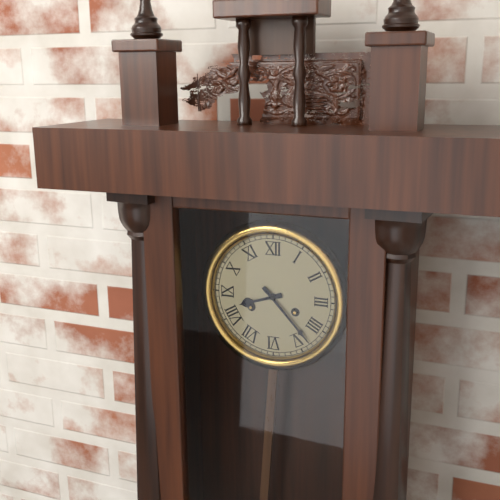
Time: {"hour": 8, "minute": 23}
